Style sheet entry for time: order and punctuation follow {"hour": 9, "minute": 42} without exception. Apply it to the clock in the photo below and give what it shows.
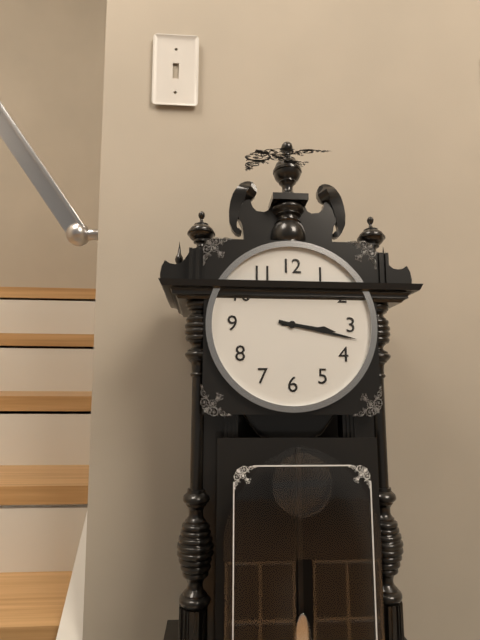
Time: {"hour": 3, "minute": 17}
